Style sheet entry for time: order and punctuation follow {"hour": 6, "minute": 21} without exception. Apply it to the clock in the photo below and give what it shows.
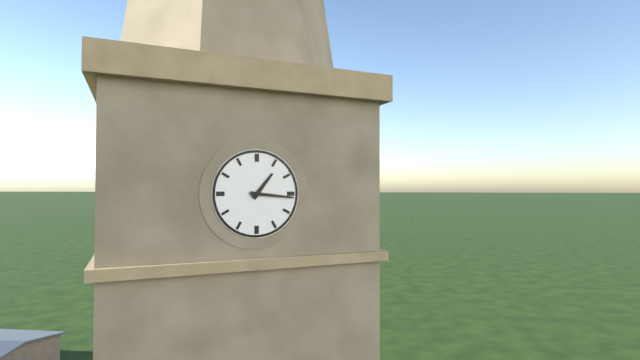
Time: {"hour": 1, "minute": 16}
